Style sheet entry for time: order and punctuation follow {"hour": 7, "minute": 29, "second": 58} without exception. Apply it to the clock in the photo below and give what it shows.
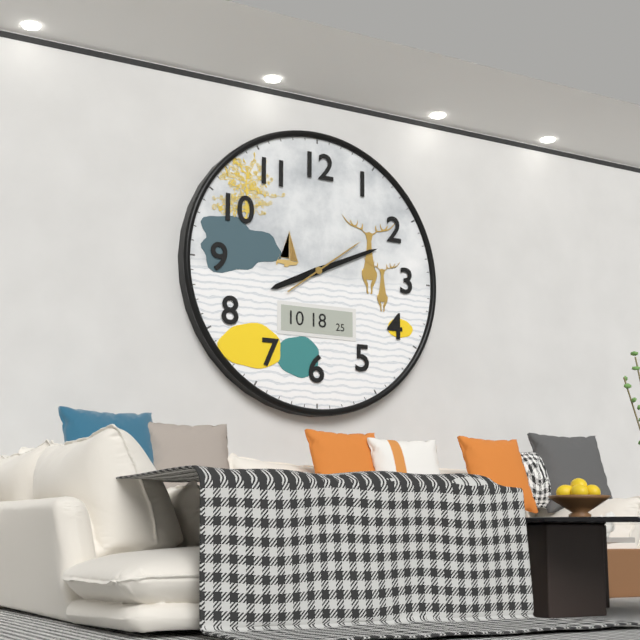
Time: {"hour": 8, "minute": 11, "second": 9}
